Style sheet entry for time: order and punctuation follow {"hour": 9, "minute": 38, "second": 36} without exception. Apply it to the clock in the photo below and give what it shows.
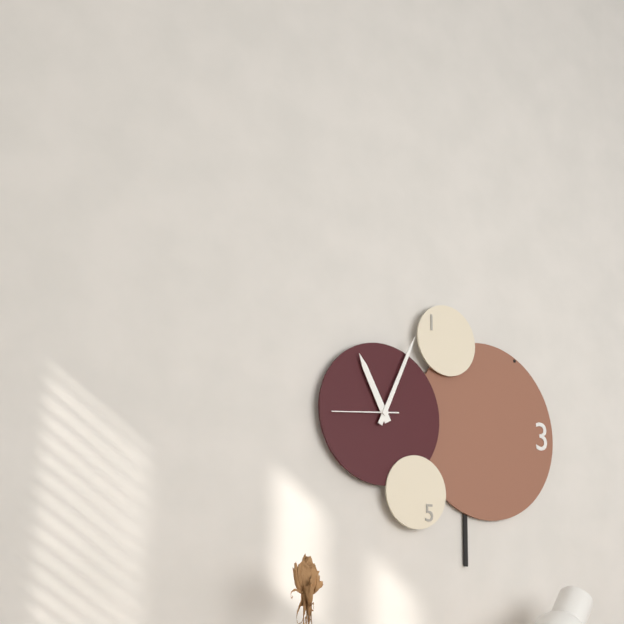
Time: {"hour": 11, "minute": 4, "second": 44}
